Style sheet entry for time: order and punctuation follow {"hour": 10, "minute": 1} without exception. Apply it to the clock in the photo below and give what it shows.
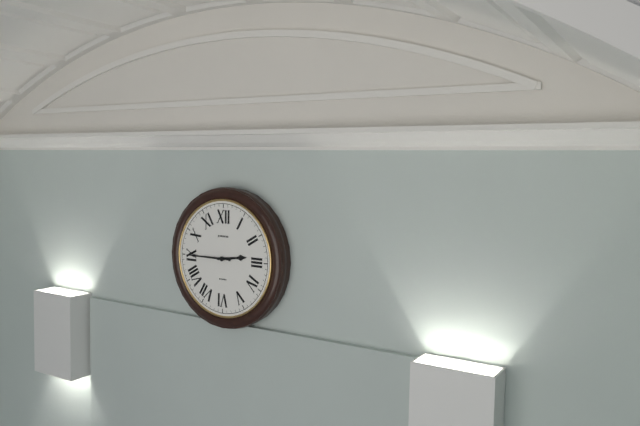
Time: {"hour": 2, "minute": 45}
